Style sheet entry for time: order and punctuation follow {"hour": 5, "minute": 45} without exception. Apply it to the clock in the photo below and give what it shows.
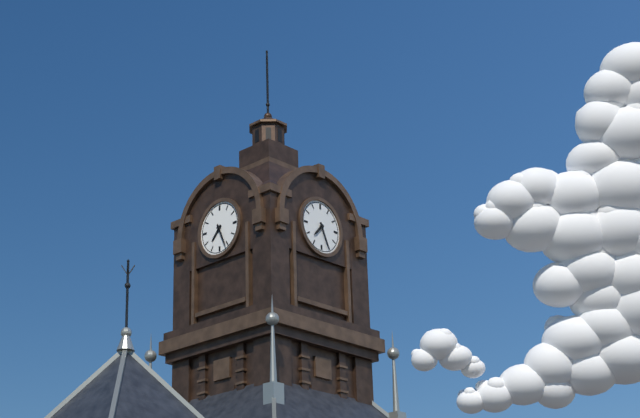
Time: {"hour": 7, "minute": 26}
